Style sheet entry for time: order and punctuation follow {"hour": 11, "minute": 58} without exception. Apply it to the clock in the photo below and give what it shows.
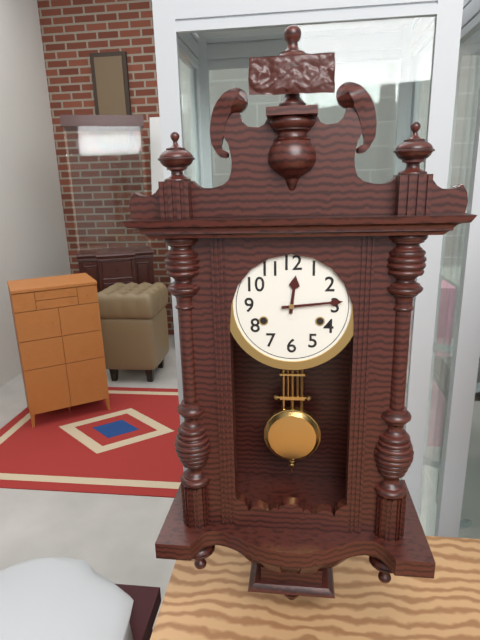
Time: {"hour": 12, "minute": 14}
